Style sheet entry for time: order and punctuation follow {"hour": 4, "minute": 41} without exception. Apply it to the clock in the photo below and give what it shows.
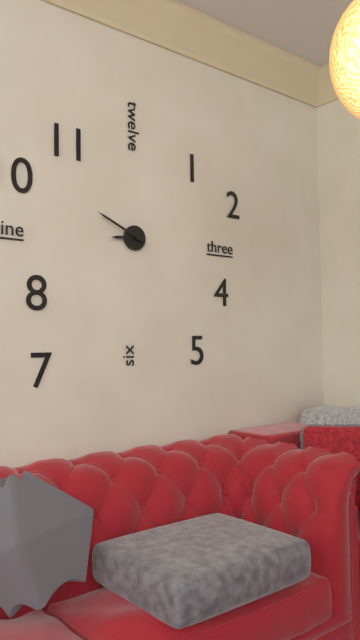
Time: {"hour": 8, "minute": 49}
